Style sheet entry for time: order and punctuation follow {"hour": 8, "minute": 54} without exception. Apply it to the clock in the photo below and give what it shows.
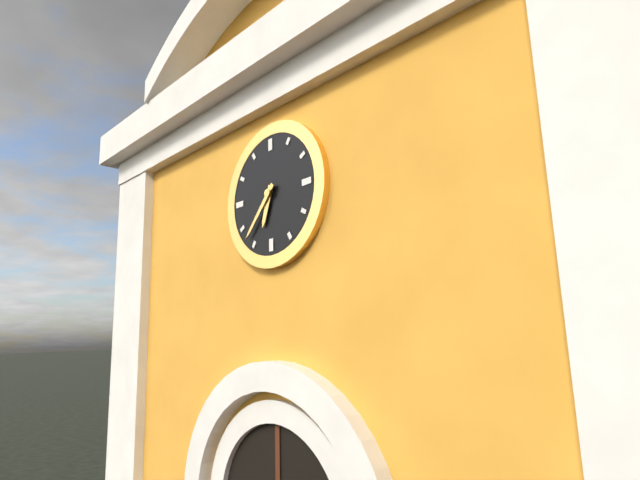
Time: {"hour": 6, "minute": 37}
